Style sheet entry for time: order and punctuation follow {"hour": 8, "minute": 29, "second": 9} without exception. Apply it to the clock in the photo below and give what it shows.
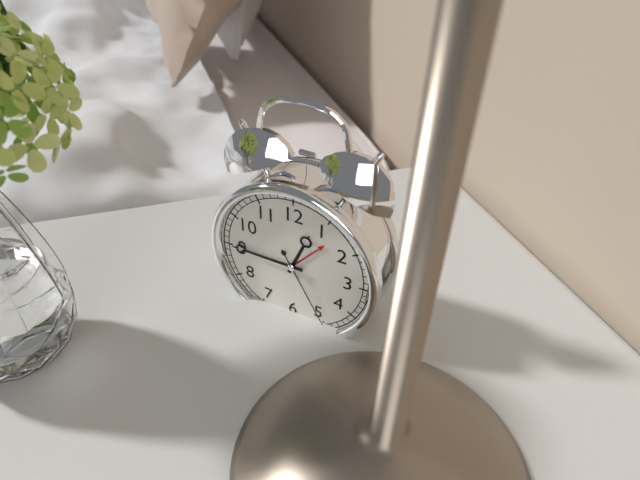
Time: {"hour": 12, "minute": 45, "second": 25}
